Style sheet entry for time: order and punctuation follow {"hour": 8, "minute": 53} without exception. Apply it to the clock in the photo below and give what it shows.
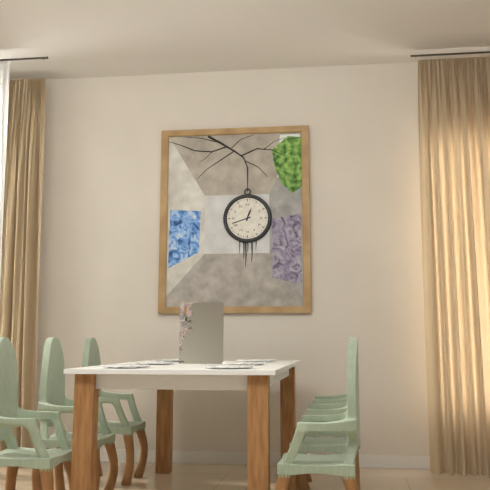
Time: {"hour": 12, "minute": 42}
